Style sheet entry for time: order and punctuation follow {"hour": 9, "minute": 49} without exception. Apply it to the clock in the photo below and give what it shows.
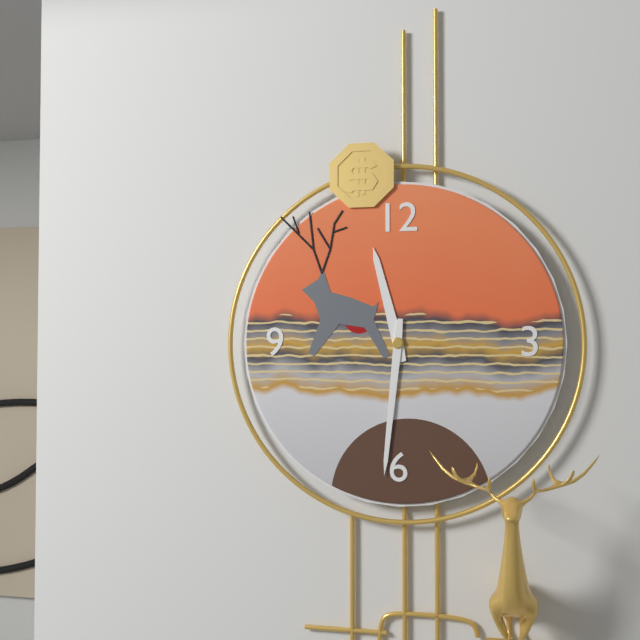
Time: {"hour": 11, "minute": 31}
